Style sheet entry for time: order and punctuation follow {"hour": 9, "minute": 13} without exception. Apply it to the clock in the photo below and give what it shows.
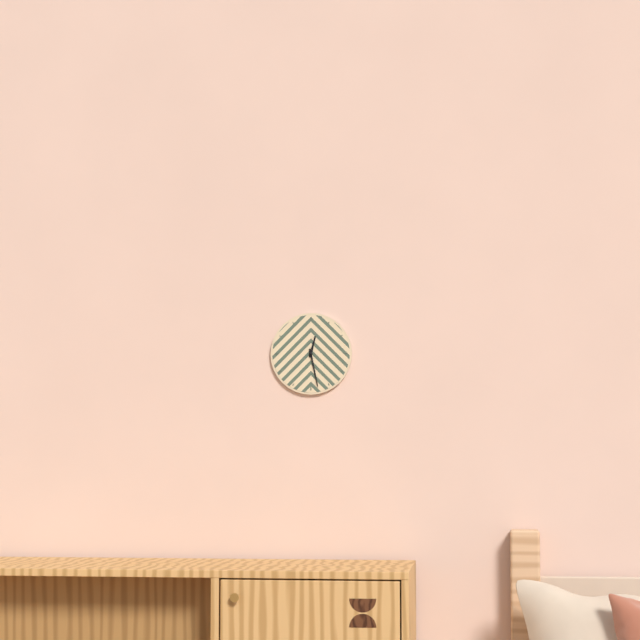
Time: {"hour": 12, "minute": 28}
